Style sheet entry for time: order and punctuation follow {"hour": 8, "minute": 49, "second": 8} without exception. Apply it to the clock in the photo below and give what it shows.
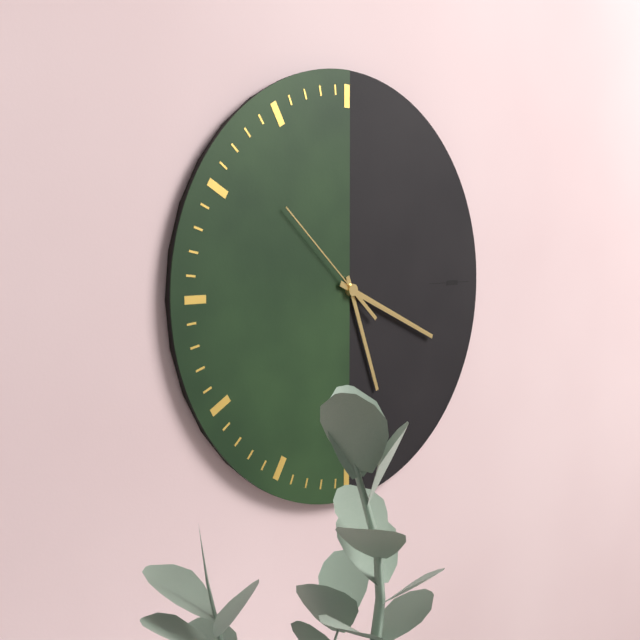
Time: {"hour": 5, "minute": 19, "second": 52}
